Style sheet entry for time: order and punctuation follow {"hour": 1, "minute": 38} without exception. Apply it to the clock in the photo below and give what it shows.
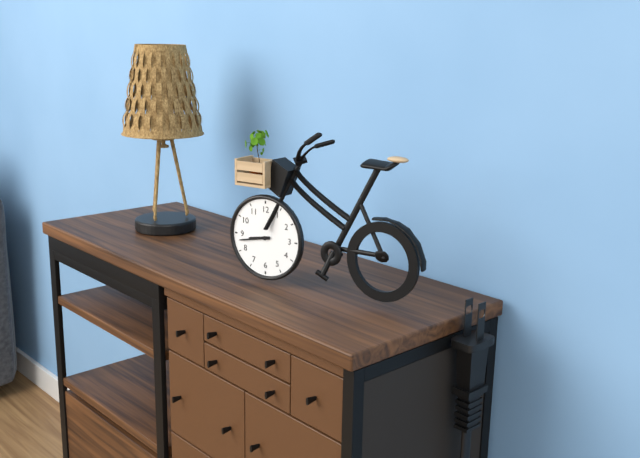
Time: {"hour": 8, "minute": 43}
